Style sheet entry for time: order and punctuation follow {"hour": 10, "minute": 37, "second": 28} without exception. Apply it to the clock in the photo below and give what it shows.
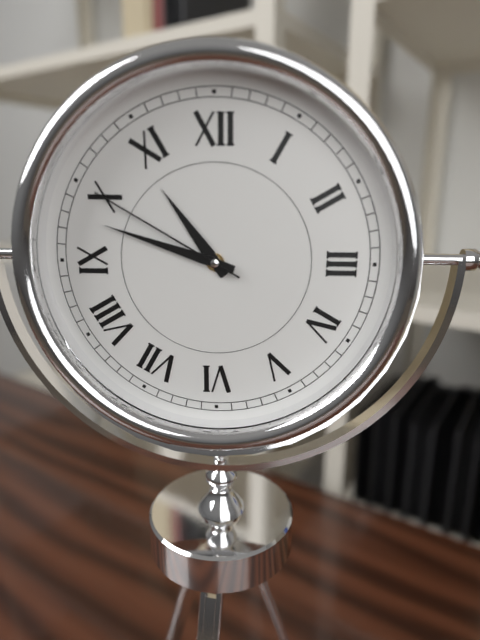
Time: {"hour": 10, "minute": 48, "second": 50}
